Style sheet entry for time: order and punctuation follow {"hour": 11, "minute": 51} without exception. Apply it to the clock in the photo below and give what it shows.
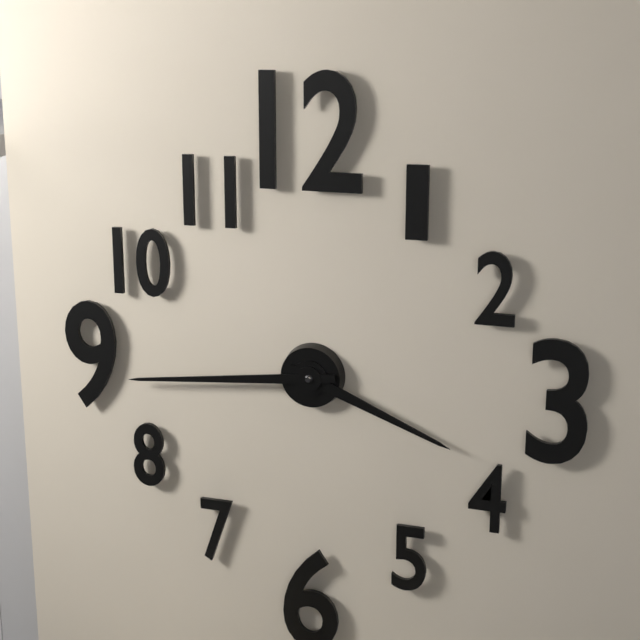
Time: {"hour": 3, "minute": 44}
